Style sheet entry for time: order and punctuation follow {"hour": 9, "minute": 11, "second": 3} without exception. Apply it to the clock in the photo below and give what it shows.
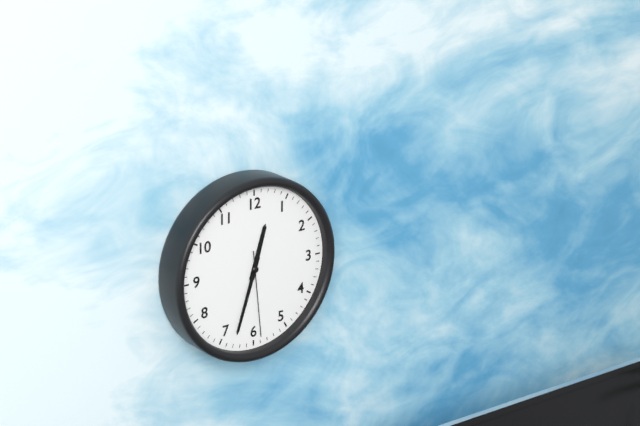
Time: {"hour": 12, "minute": 33, "second": 29}
